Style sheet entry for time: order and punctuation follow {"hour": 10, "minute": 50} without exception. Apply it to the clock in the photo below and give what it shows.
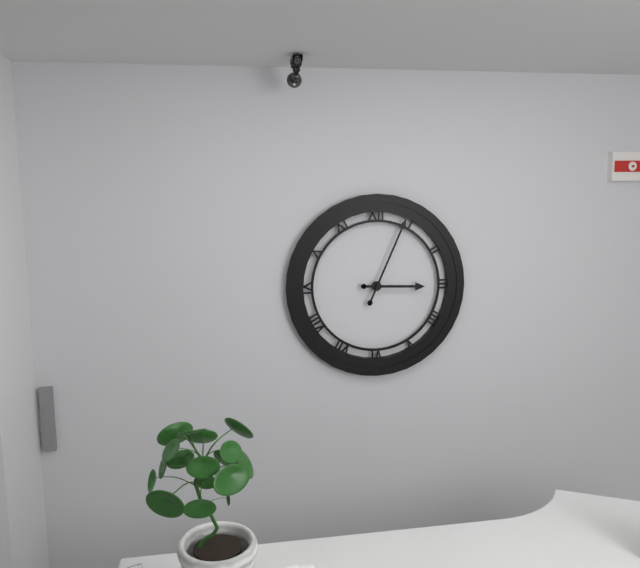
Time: {"hour": 3, "minute": 4}
